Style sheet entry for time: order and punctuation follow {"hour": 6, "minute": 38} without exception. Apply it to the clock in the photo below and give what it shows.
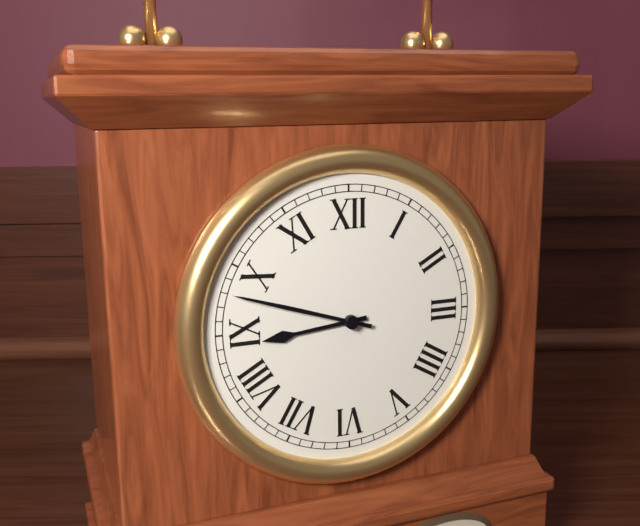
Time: {"hour": 8, "minute": 48}
